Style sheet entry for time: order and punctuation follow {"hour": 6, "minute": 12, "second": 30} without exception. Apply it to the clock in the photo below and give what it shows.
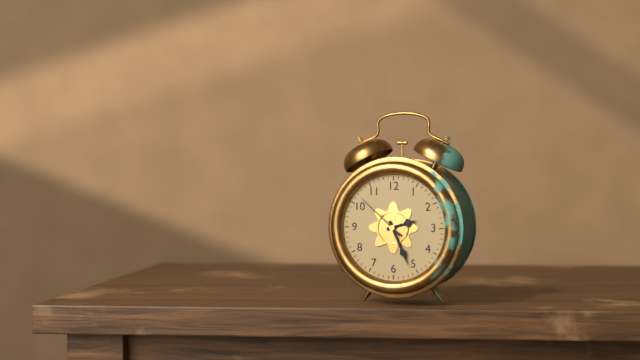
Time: {"hour": 2, "minute": 26, "second": 52}
